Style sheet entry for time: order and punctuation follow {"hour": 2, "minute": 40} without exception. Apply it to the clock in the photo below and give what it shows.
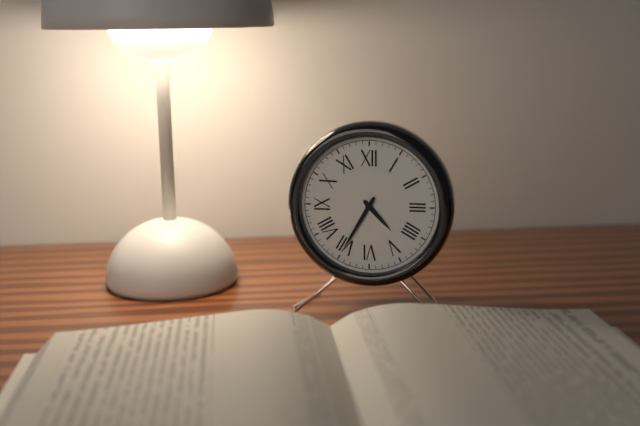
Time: {"hour": 4, "minute": 35}
